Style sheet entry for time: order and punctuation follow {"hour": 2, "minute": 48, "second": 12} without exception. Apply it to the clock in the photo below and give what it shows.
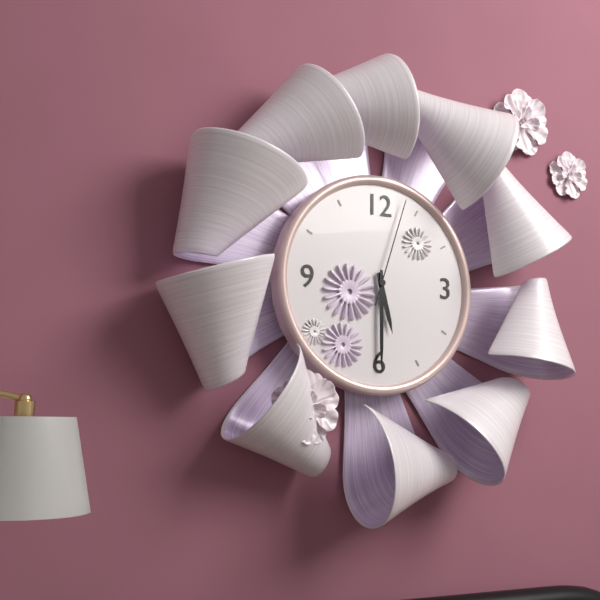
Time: {"hour": 5, "minute": 30, "second": 3}
